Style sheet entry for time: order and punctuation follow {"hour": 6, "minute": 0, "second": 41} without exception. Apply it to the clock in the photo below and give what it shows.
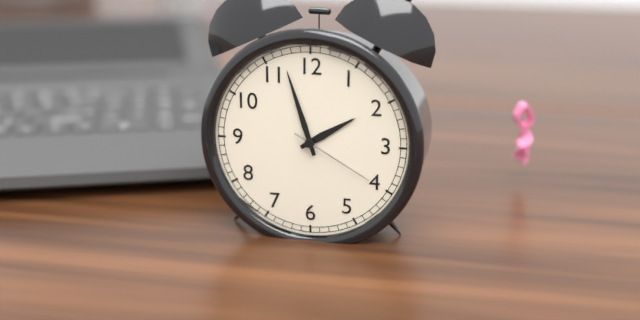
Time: {"hour": 1, "minute": 57, "second": 20}
